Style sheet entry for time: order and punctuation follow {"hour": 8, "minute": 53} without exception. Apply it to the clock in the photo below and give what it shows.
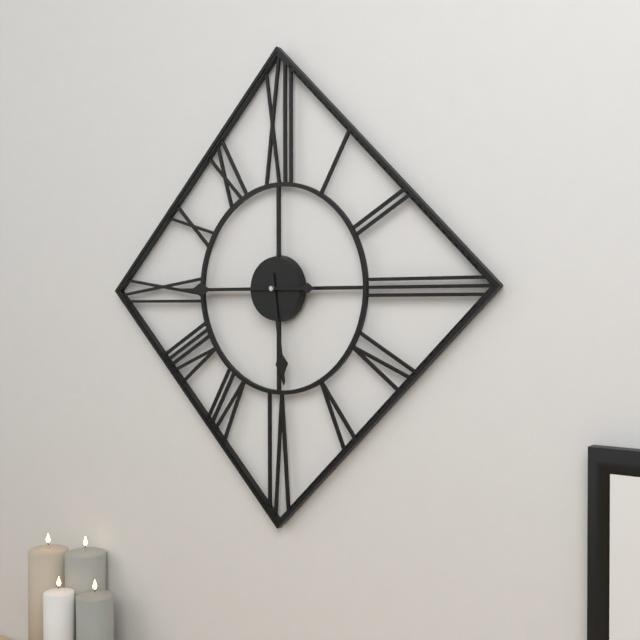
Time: {"hour": 5, "minute": 45}
